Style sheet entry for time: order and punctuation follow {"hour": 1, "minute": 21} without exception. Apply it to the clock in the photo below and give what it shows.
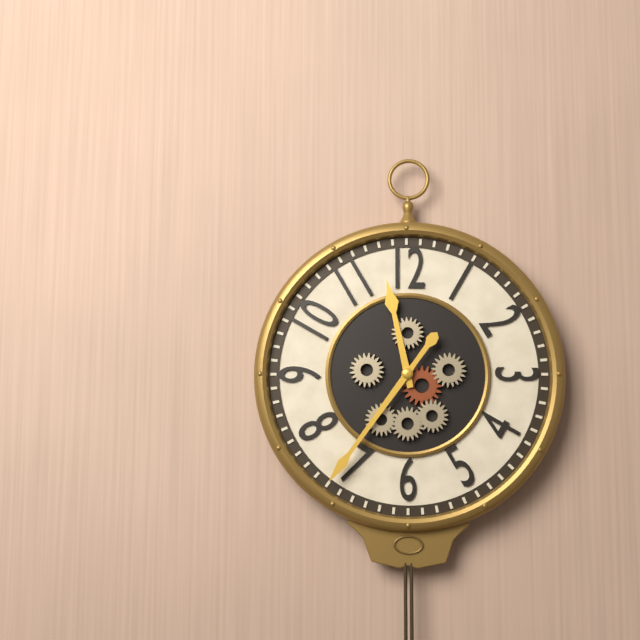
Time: {"hour": 11, "minute": 36}
